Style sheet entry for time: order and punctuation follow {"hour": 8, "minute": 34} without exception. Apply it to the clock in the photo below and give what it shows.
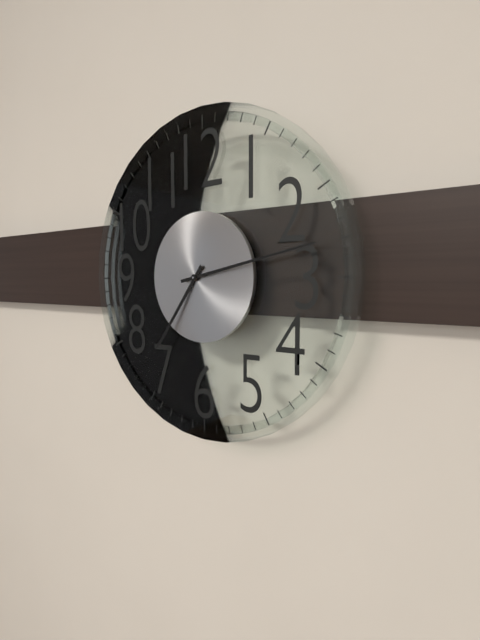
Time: {"hour": 7, "minute": 13}
